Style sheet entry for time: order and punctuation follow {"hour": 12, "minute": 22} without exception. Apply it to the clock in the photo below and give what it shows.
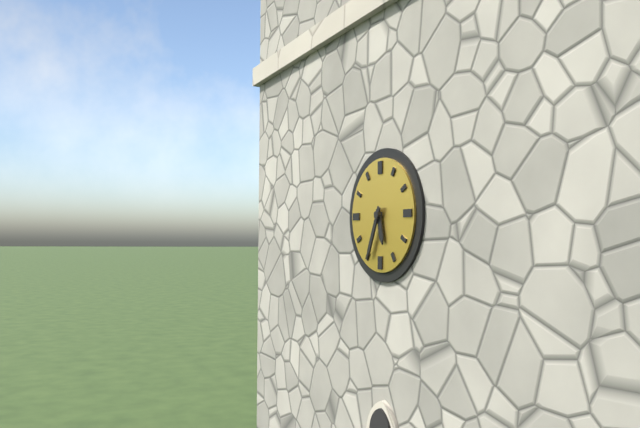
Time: {"hour": 5, "minute": 34}
